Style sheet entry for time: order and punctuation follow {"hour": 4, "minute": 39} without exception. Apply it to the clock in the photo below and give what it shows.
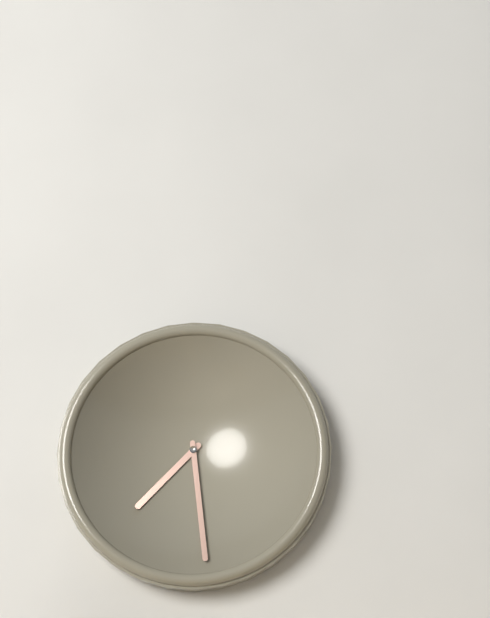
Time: {"hour": 7, "minute": 29}
